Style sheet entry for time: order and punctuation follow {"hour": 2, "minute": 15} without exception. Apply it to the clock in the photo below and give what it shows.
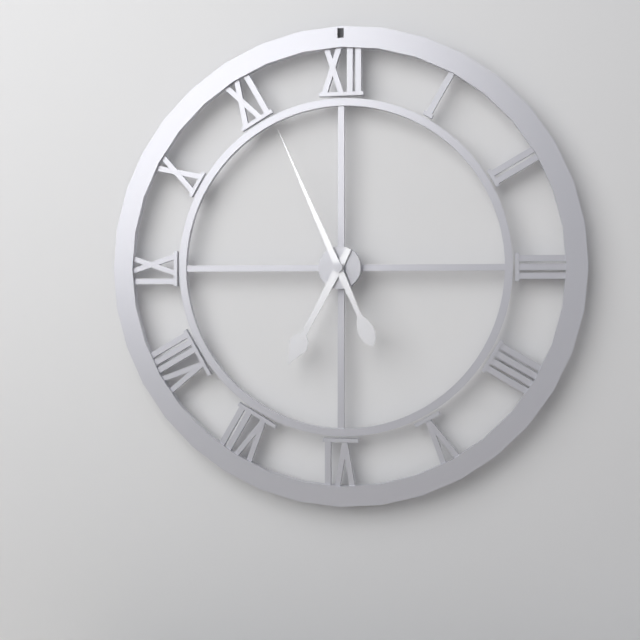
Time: {"hour": 6, "minute": 56}
